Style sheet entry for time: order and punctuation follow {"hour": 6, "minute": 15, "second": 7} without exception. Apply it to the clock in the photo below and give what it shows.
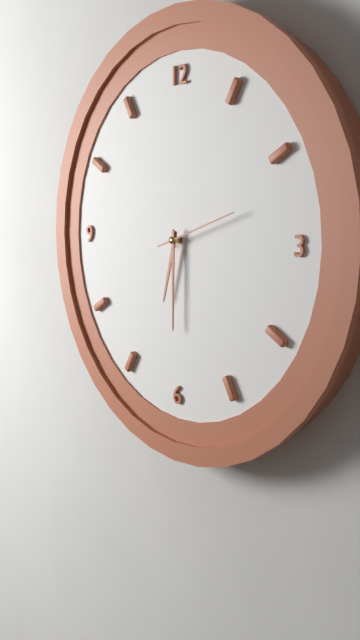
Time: {"hour": 6, "minute": 30, "second": 12}
